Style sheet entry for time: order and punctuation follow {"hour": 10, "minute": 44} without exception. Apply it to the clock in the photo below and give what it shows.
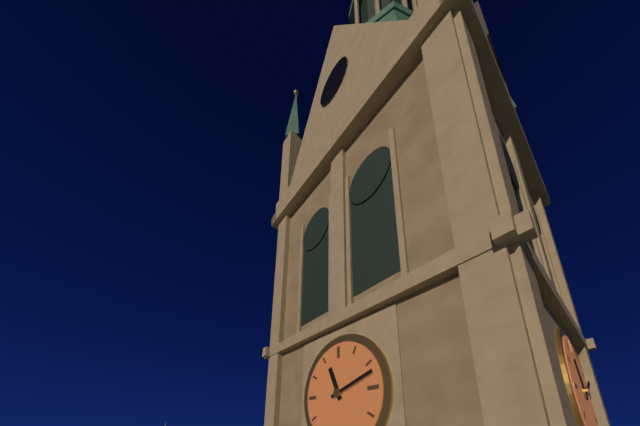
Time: {"hour": 11, "minute": 12}
